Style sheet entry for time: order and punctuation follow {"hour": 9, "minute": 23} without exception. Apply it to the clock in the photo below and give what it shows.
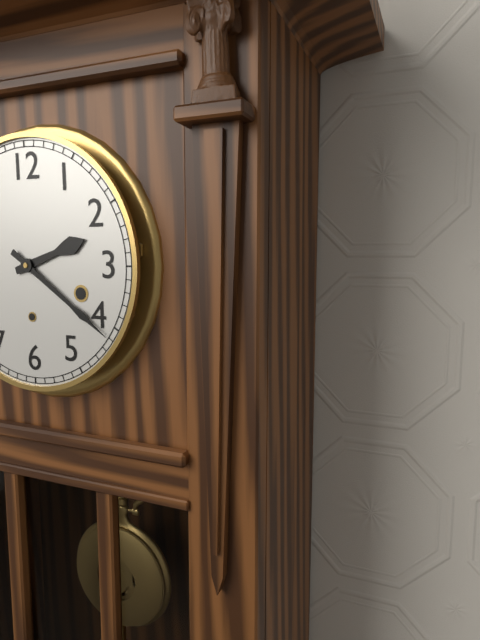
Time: {"hour": 2, "minute": 21}
